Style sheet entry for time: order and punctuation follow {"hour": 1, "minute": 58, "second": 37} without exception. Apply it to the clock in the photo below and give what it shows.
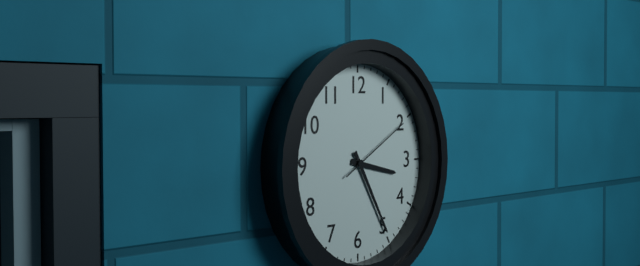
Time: {"hour": 3, "minute": 25, "second": 10}
